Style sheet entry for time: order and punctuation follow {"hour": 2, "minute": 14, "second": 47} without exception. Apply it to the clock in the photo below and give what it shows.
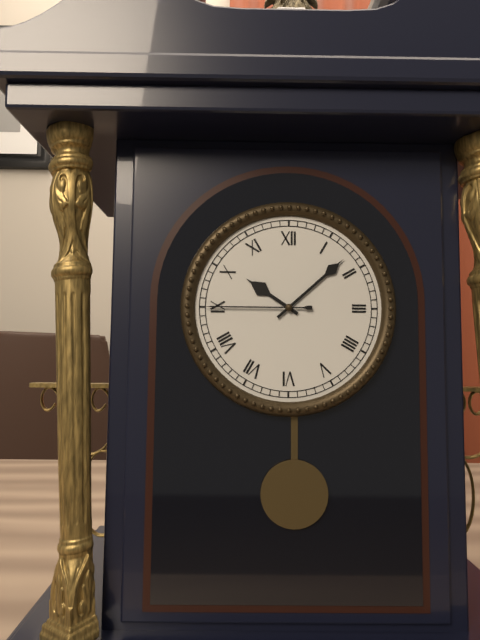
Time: {"hour": 10, "minute": 8, "second": 45}
